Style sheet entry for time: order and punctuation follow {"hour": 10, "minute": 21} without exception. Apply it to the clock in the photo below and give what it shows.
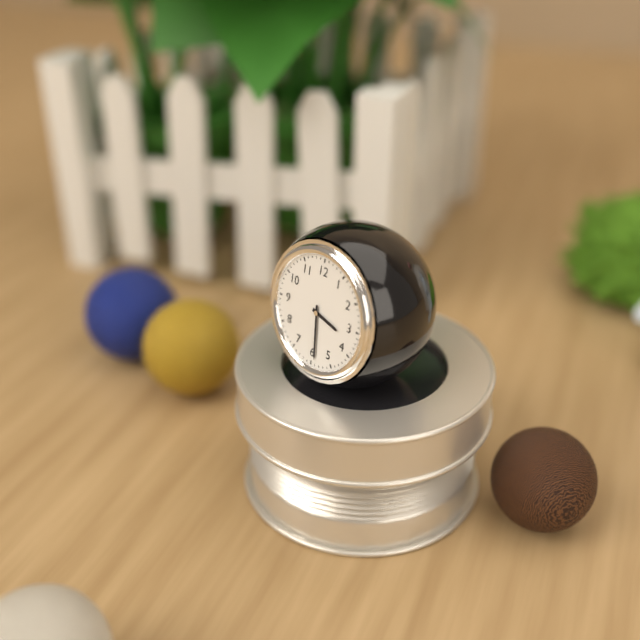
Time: {"hour": 3, "minute": 29}
